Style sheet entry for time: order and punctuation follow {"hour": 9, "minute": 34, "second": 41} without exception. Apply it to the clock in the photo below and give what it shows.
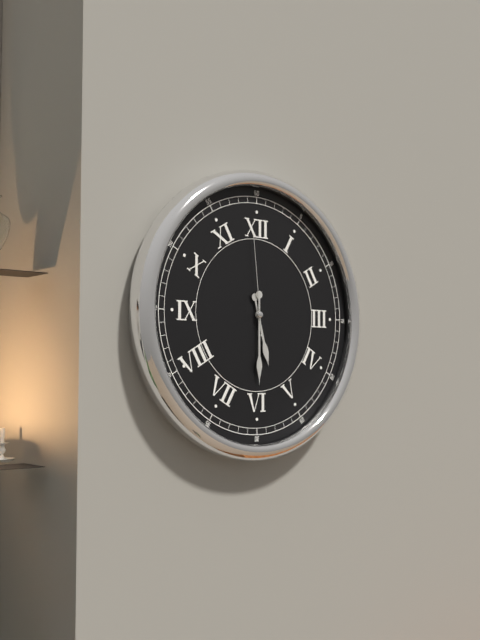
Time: {"hour": 5, "minute": 30, "second": 59}
